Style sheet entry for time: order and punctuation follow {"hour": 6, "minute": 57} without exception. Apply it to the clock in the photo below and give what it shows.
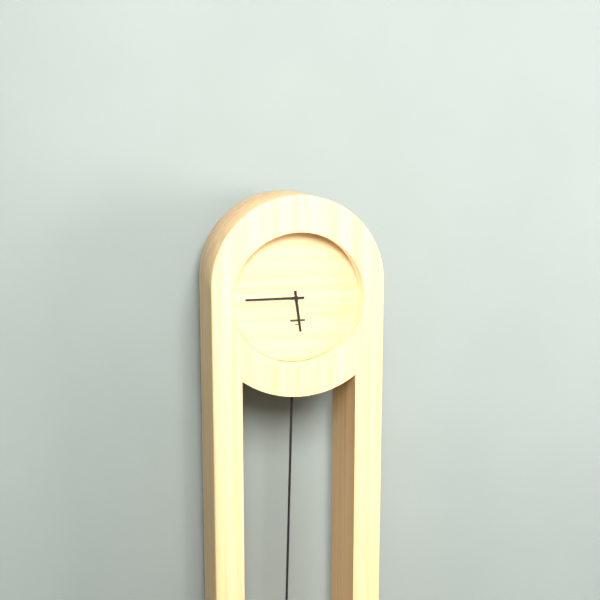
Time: {"hour": 5, "minute": 45}
